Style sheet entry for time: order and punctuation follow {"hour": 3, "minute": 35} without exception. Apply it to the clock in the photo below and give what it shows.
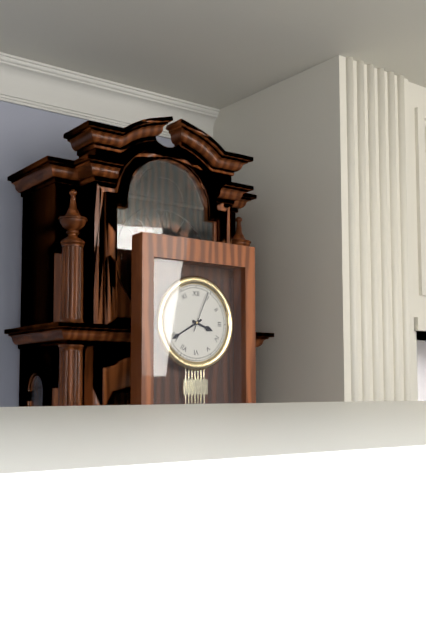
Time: {"hour": 3, "minute": 40}
